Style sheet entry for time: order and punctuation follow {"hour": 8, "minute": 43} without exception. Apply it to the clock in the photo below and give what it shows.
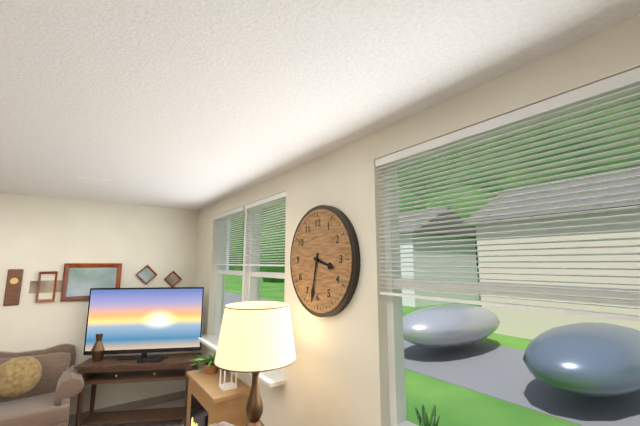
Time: {"hour": 3, "minute": 32}
